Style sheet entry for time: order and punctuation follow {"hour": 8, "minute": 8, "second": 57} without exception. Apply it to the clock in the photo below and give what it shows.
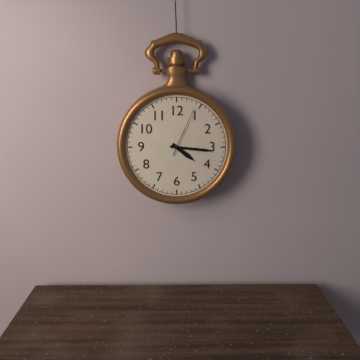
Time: {"hour": 4, "minute": 16, "second": 4}
